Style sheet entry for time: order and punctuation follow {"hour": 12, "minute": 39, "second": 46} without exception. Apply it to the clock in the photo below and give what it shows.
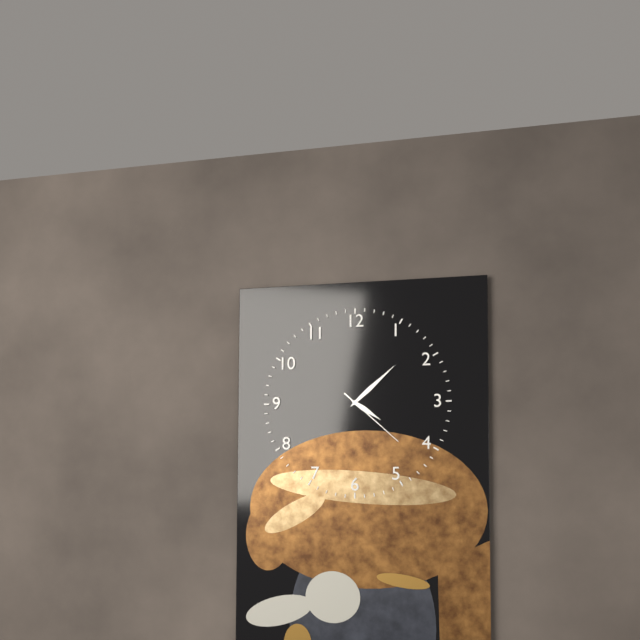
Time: {"hour": 4, "minute": 8, "second": 22}
